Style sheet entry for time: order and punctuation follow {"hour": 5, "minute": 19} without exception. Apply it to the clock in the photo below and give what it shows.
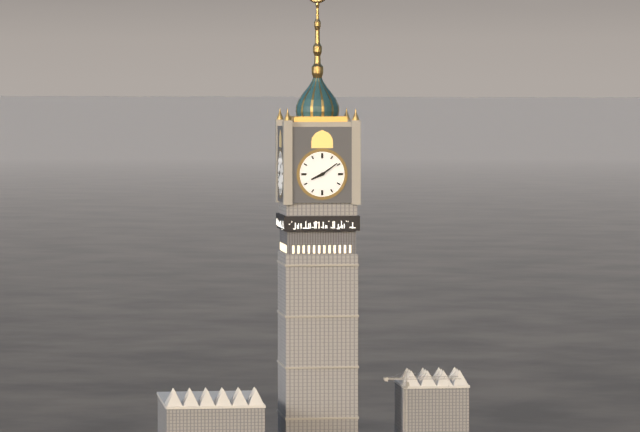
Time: {"hour": 8, "minute": 9}
